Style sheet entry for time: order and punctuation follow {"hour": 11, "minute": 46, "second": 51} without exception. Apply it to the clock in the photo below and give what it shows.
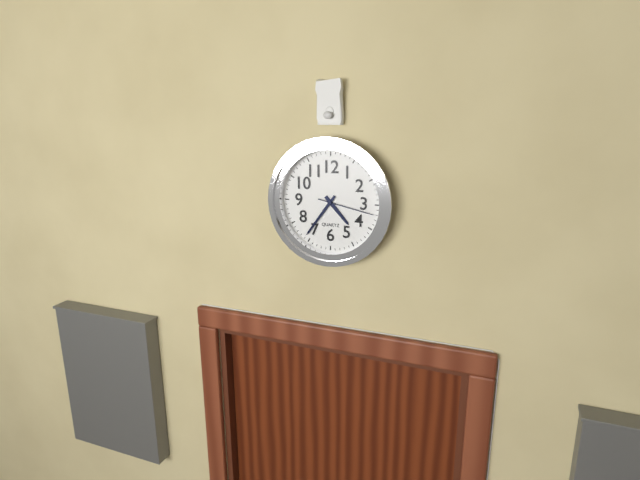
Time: {"hour": 4, "minute": 36, "second": 17}
